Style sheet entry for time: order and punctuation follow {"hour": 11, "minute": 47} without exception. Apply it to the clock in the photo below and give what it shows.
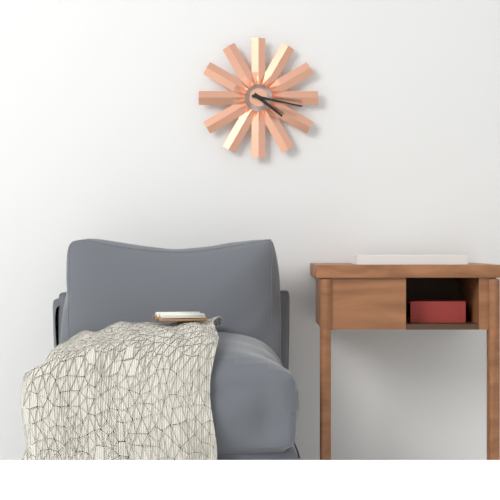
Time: {"hour": 4, "minute": 17}
